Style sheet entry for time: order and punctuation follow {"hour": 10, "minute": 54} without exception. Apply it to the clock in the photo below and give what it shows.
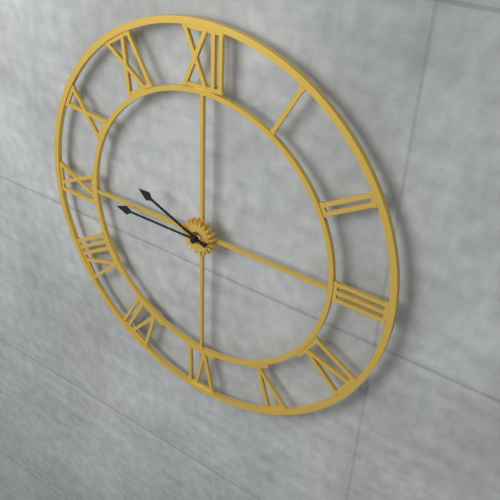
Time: {"hour": 9, "minute": 45}
